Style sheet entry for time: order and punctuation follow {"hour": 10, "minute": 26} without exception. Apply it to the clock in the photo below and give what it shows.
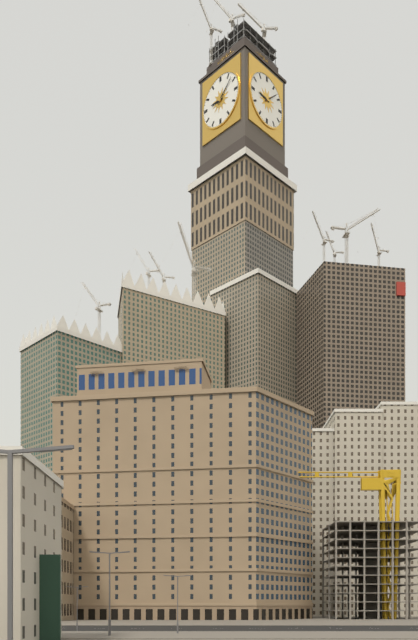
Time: {"hour": 9, "minute": 8}
